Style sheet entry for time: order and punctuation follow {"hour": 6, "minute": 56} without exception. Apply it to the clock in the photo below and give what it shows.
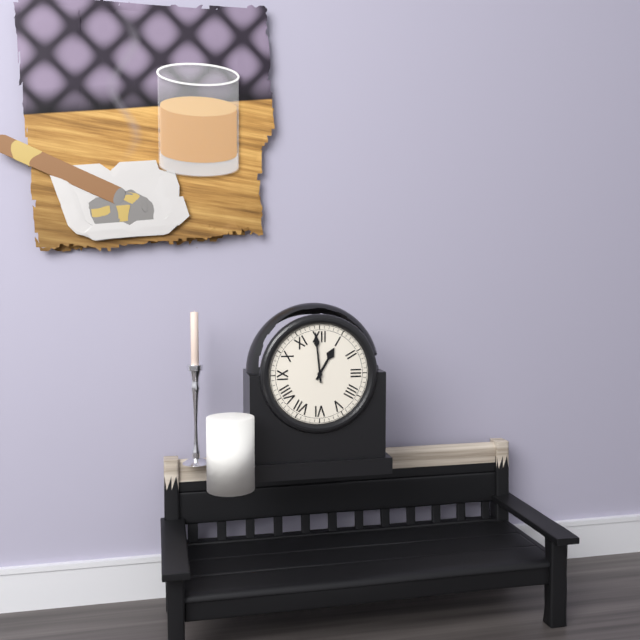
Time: {"hour": 12, "minute": 59}
